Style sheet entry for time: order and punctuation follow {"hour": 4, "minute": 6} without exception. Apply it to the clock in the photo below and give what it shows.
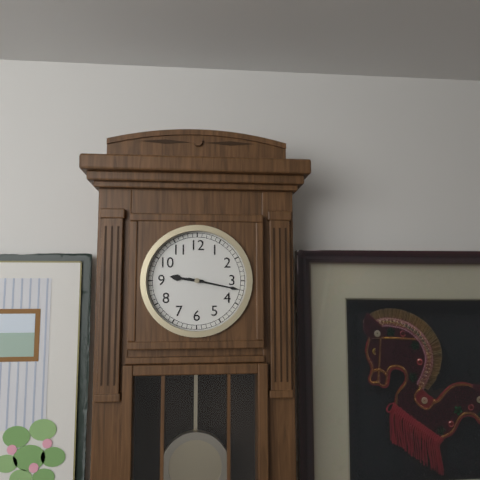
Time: {"hour": 9, "minute": 17}
